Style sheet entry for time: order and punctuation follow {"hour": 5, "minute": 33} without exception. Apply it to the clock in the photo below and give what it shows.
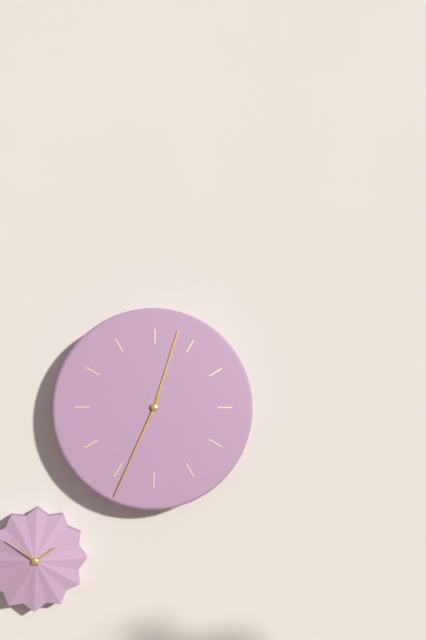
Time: {"hour": 12, "minute": 34}
